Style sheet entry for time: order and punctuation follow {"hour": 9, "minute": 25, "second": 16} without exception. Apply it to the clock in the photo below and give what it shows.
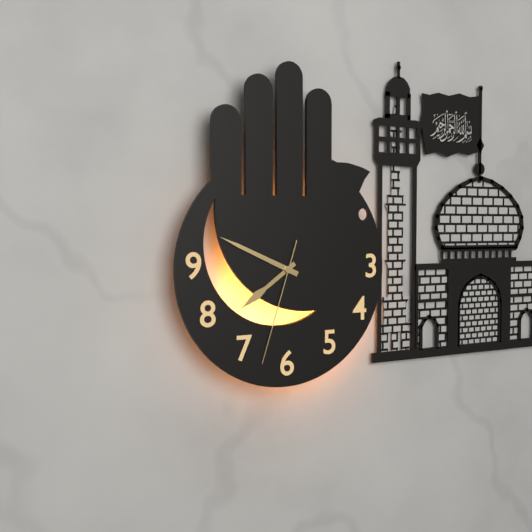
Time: {"hour": 7, "minute": 49, "second": 33}
